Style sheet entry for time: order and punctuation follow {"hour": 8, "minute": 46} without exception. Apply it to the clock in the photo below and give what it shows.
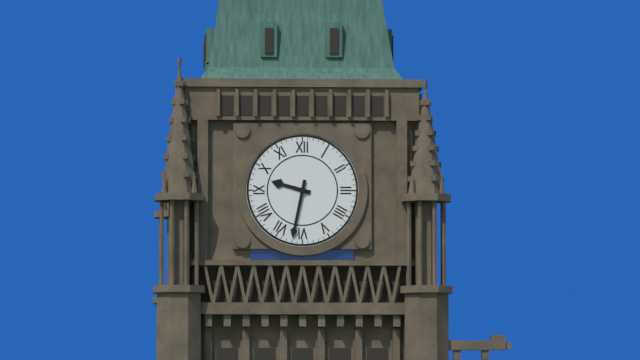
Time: {"hour": 9, "minute": 32}
